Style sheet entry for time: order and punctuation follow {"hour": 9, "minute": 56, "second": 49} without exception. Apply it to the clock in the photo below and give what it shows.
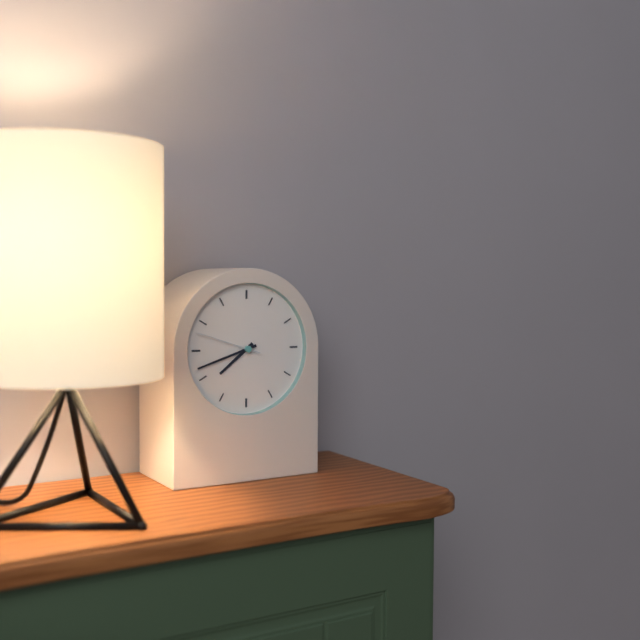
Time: {"hour": 7, "minute": 42, "second": 48}
